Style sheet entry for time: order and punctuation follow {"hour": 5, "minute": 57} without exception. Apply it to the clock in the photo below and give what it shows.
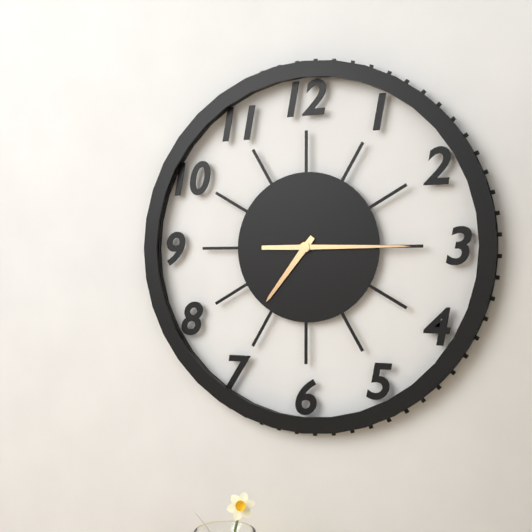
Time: {"hour": 7, "minute": 15}
